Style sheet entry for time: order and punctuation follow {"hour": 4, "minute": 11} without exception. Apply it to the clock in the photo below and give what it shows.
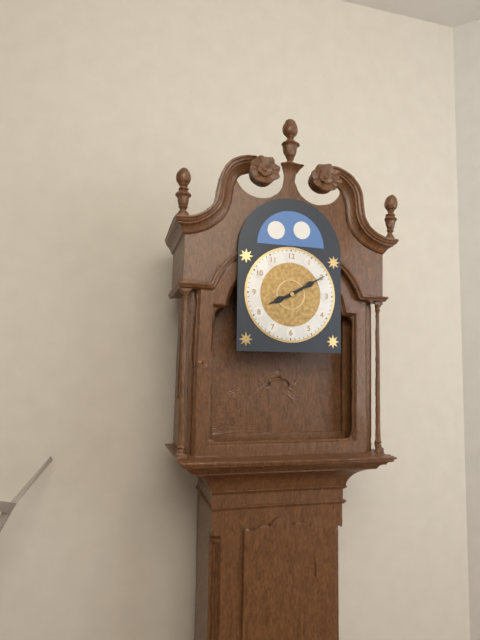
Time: {"hour": 8, "minute": 10}
